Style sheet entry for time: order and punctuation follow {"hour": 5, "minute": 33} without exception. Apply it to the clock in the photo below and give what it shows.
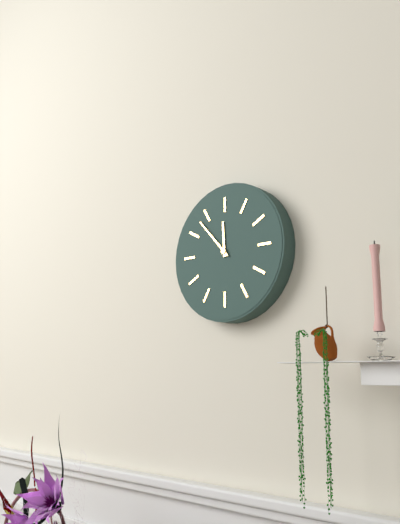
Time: {"hour": 11, "minute": 53}
